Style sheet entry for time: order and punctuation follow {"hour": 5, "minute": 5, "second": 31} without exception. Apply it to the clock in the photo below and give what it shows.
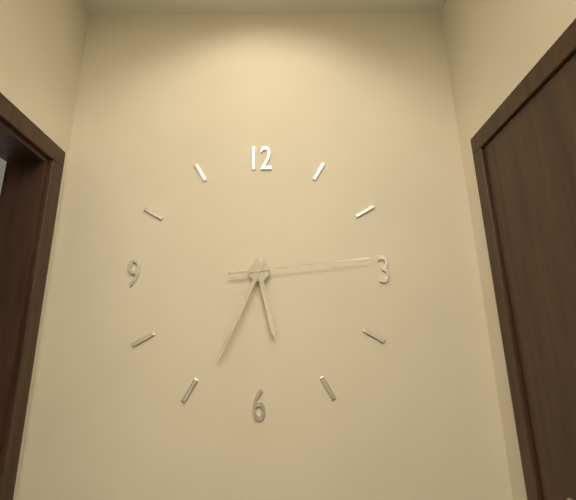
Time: {"hour": 5, "minute": 34, "second": 14}
